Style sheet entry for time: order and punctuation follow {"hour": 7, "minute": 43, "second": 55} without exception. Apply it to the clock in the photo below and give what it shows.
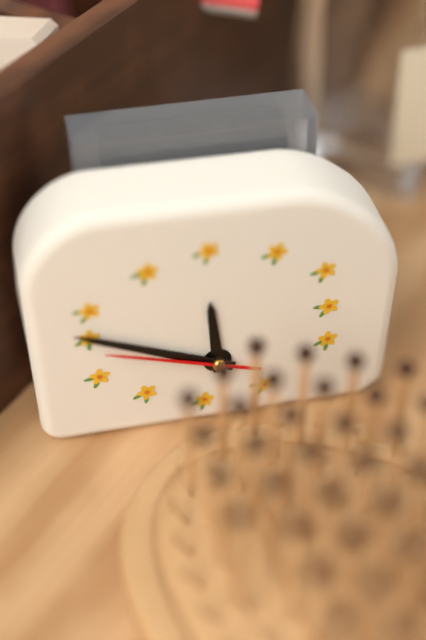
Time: {"hour": 11, "minute": 49, "second": 48}
